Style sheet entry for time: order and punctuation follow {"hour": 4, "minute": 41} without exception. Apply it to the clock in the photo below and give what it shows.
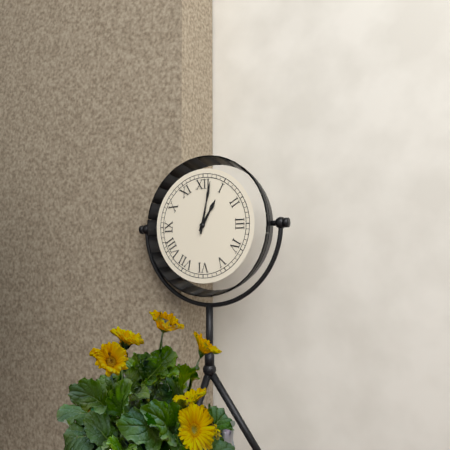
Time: {"hour": 1, "minute": 2}
